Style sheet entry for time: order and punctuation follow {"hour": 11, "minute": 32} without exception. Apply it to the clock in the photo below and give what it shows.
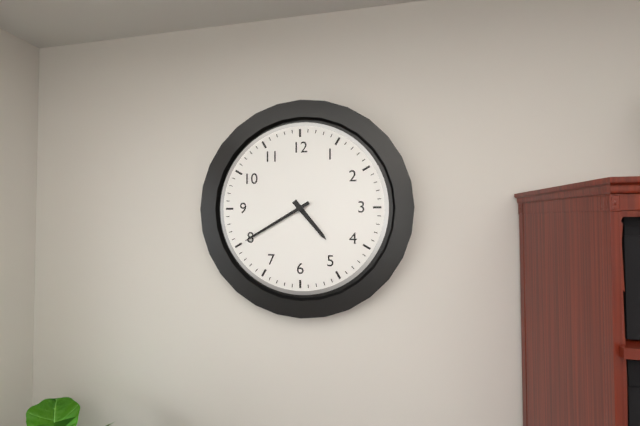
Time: {"hour": 4, "minute": 40}
